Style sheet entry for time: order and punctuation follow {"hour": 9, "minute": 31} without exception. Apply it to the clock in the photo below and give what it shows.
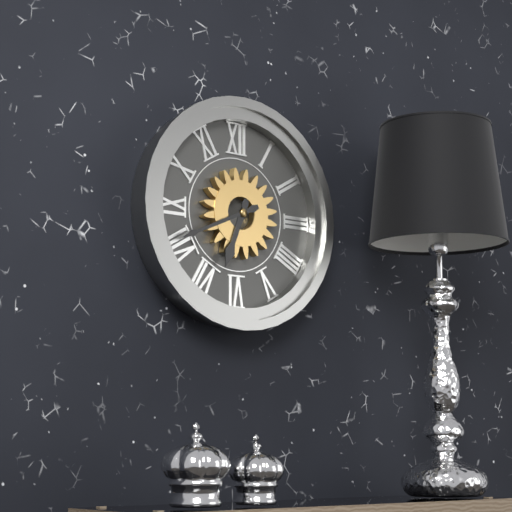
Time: {"hour": 6, "minute": 41}
